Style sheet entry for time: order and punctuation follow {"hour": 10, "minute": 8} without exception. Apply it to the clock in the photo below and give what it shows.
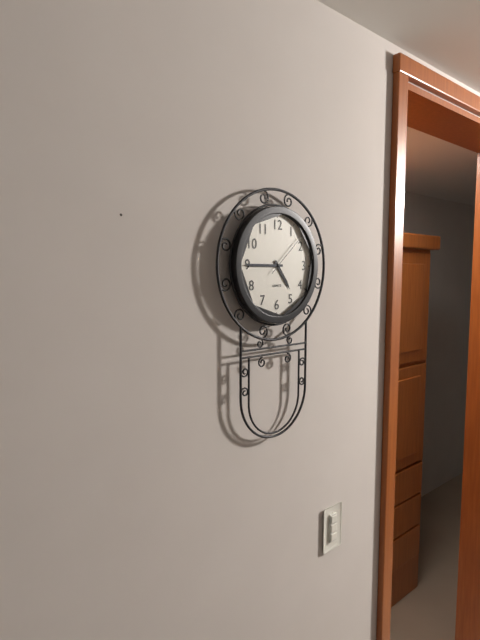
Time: {"hour": 4, "minute": 45}
